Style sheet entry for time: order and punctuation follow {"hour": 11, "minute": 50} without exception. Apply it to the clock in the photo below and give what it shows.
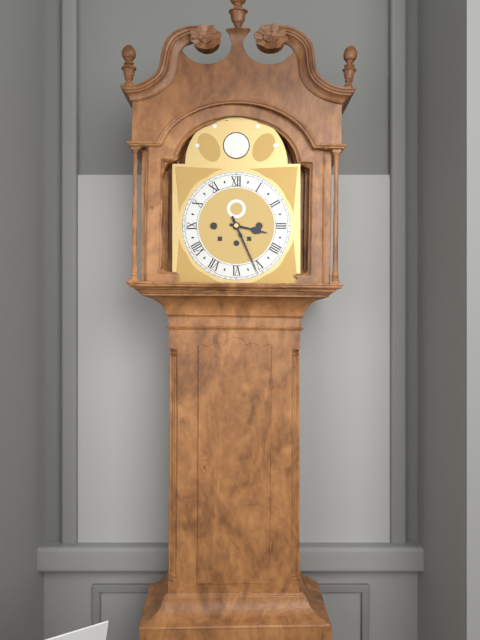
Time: {"hour": 3, "minute": 26}
